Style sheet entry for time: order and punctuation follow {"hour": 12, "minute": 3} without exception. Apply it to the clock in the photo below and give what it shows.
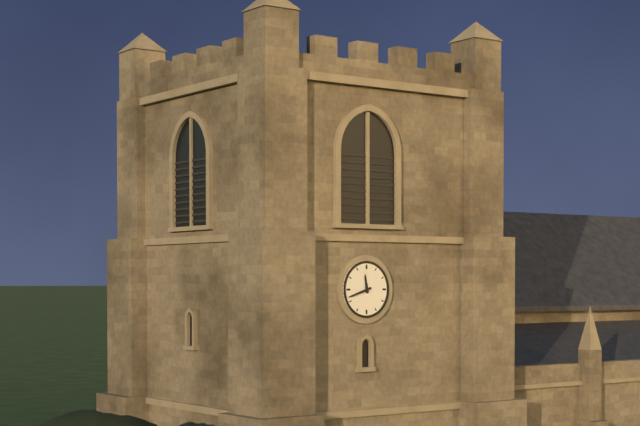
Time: {"hour": 11, "minute": 42}
